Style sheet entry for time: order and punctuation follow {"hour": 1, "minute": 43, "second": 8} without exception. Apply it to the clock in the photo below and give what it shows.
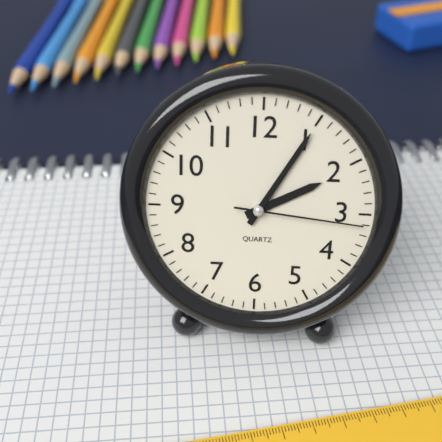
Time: {"hour": 2, "minute": 5, "second": 16}
